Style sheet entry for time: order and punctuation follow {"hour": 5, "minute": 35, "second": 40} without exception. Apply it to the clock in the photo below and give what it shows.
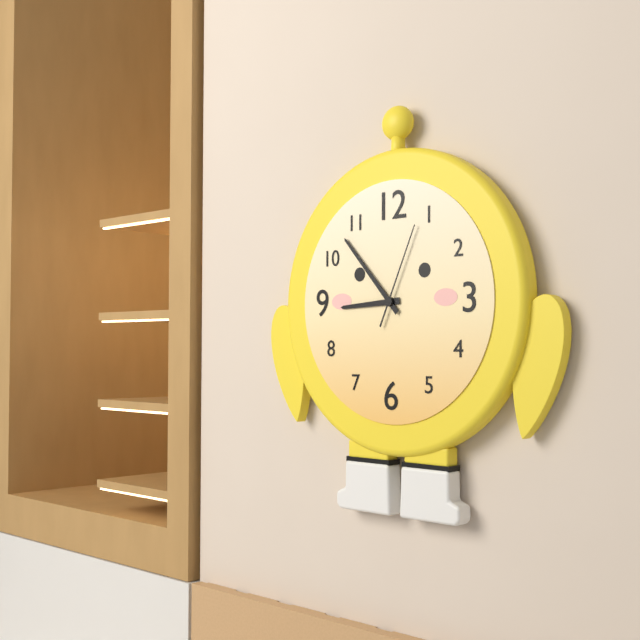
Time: {"hour": 8, "minute": 53, "second": 4}
